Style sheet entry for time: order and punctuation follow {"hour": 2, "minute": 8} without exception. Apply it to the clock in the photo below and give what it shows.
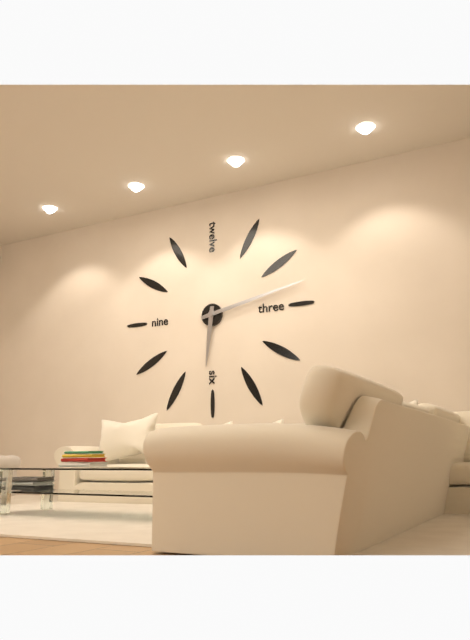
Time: {"hour": 6, "minute": 13}
